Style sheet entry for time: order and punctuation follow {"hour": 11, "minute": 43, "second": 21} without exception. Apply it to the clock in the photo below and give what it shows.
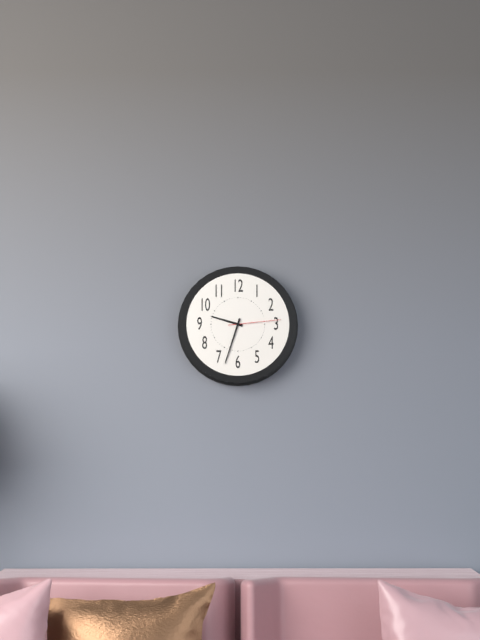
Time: {"hour": 9, "minute": 33, "second": 14}
